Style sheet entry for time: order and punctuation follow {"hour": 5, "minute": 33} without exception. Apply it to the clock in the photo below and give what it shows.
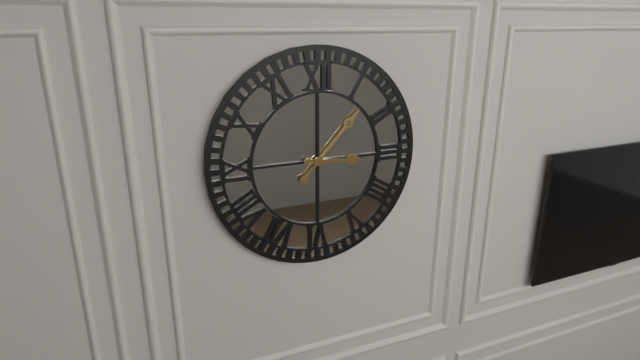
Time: {"hour": 3, "minute": 7}
